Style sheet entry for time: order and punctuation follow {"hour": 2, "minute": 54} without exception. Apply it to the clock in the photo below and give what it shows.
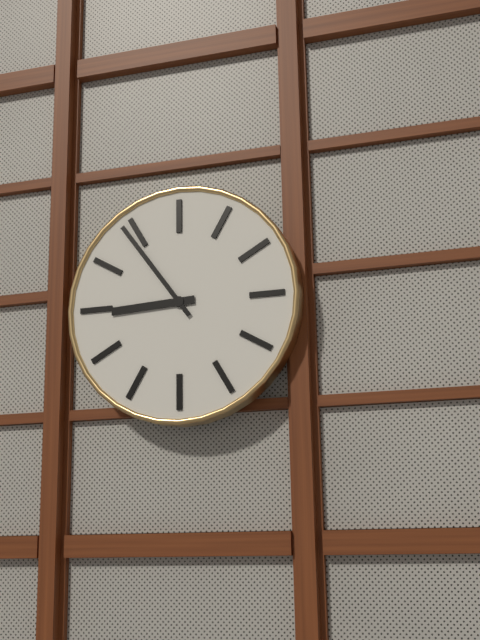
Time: {"hour": 8, "minute": 54}
